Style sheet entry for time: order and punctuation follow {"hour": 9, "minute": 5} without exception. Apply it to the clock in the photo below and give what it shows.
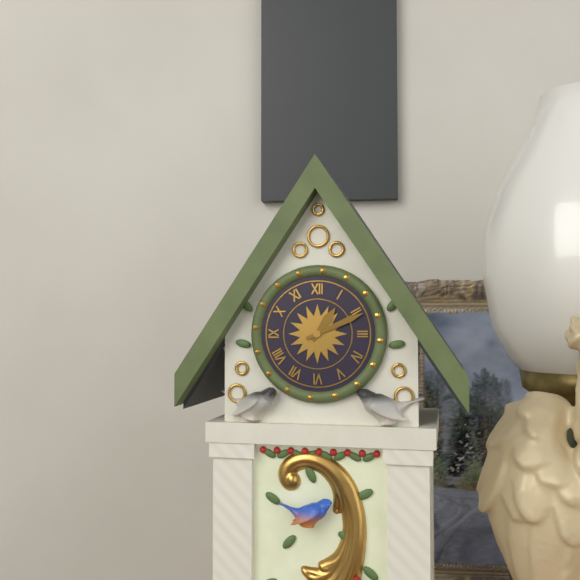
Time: {"hour": 1, "minute": 11}
